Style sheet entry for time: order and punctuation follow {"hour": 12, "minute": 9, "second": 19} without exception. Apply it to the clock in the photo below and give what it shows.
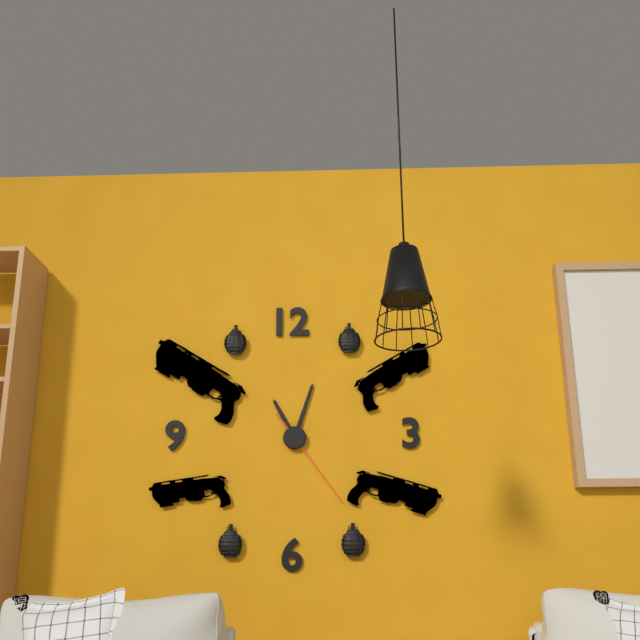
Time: {"hour": 11, "minute": 3, "second": 24}
